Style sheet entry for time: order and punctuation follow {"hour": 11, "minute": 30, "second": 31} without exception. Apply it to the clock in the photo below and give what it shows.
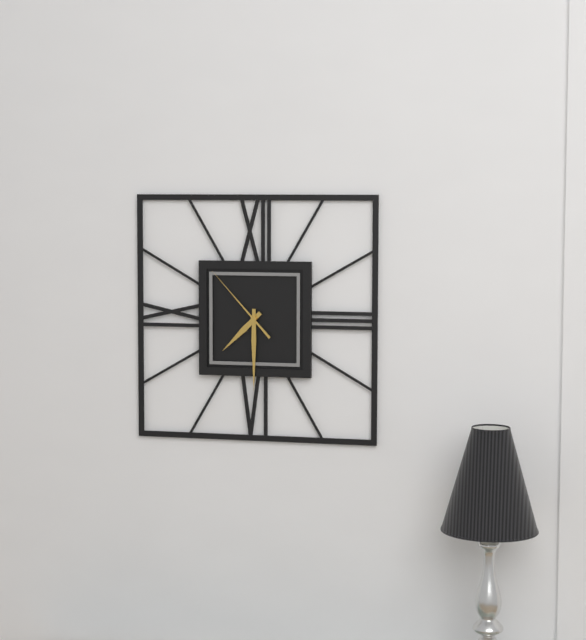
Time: {"hour": 7, "minute": 30, "second": 53}
